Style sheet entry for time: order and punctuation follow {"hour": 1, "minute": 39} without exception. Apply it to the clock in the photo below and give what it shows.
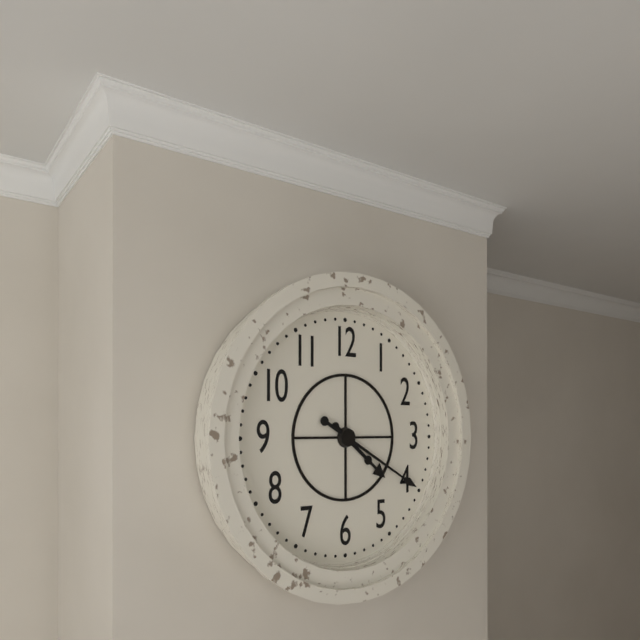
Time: {"hour": 4, "minute": 20}
